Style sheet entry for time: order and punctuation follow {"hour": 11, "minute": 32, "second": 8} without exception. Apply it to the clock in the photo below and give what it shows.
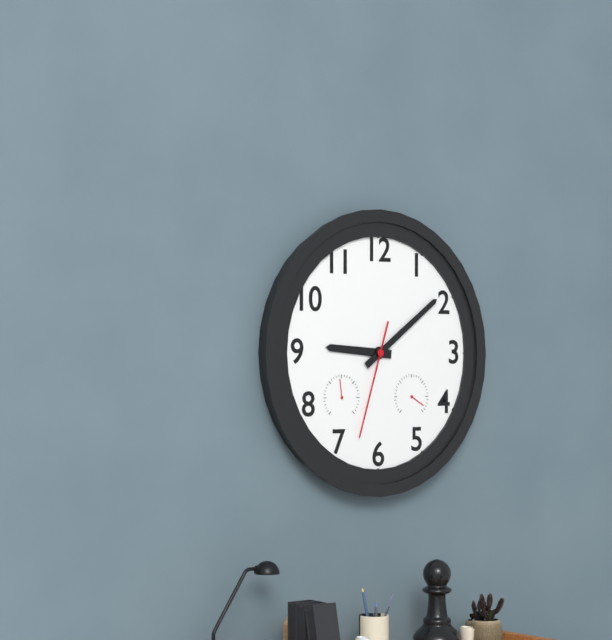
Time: {"hour": 9, "minute": 9, "second": 33}
